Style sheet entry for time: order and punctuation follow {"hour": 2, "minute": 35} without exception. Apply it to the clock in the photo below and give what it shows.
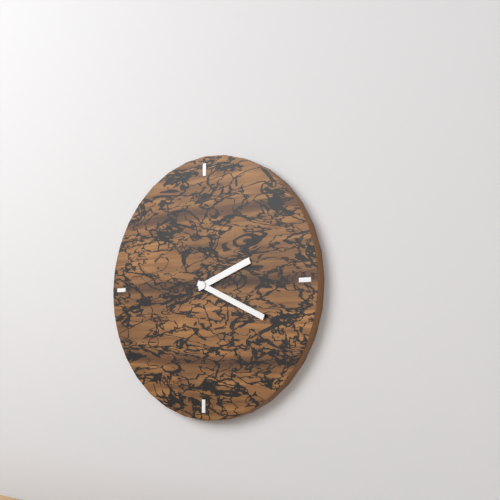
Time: {"hour": 2, "minute": 19}
